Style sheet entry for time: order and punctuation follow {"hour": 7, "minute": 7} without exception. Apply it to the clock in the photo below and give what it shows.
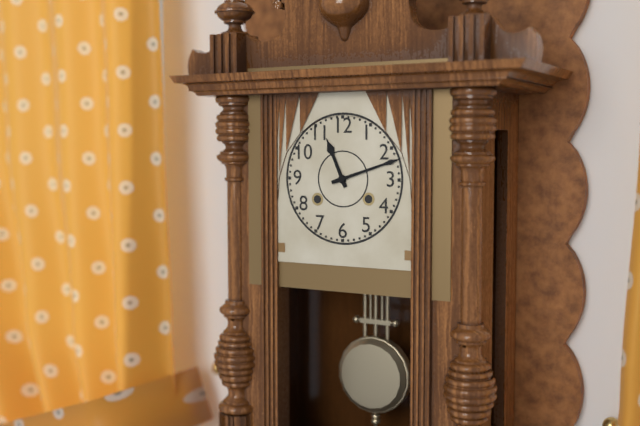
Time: {"hour": 11, "minute": 12}
